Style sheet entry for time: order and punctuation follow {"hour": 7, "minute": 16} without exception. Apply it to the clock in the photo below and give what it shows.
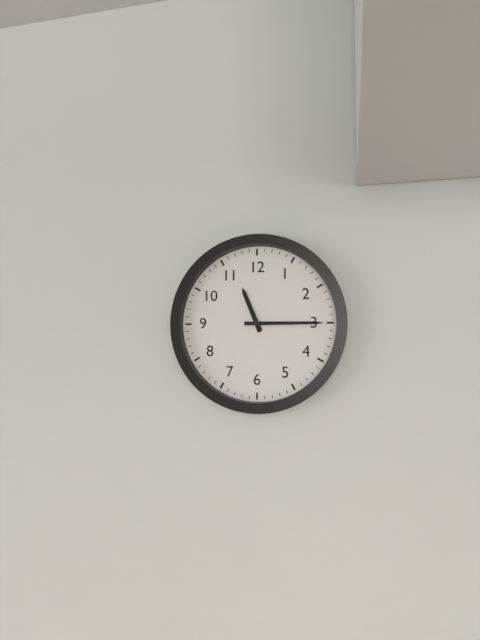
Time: {"hour": 11, "minute": 15}
